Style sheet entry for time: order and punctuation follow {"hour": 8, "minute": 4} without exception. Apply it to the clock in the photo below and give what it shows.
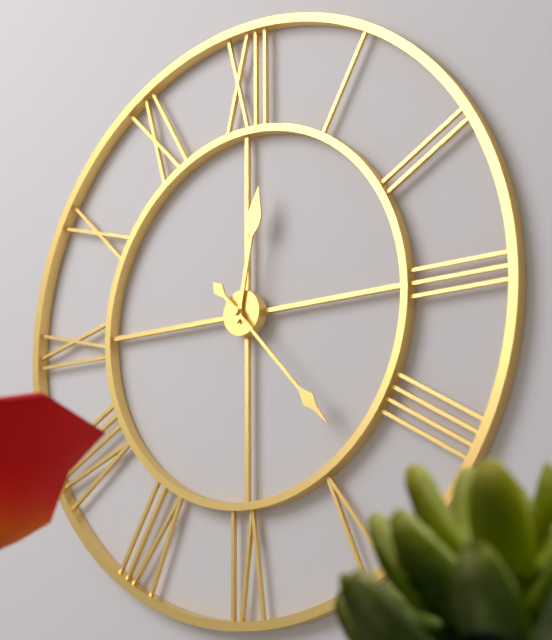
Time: {"hour": 12, "minute": 23}
